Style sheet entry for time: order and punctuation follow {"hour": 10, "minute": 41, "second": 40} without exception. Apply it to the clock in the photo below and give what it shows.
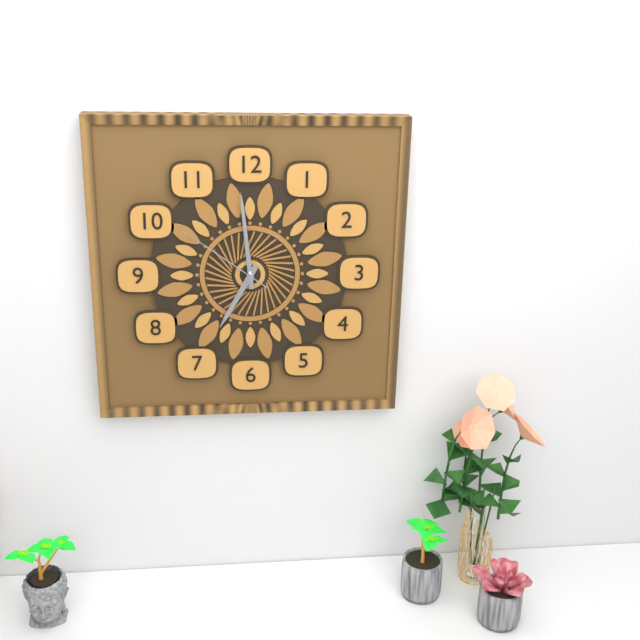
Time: {"hour": 6, "minute": 59, "second": 51}
